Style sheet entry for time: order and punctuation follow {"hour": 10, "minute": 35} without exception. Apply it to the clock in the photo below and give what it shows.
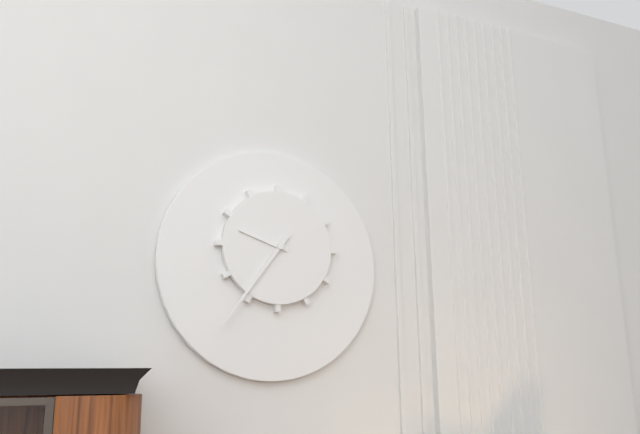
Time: {"hour": 9, "minute": 36}
